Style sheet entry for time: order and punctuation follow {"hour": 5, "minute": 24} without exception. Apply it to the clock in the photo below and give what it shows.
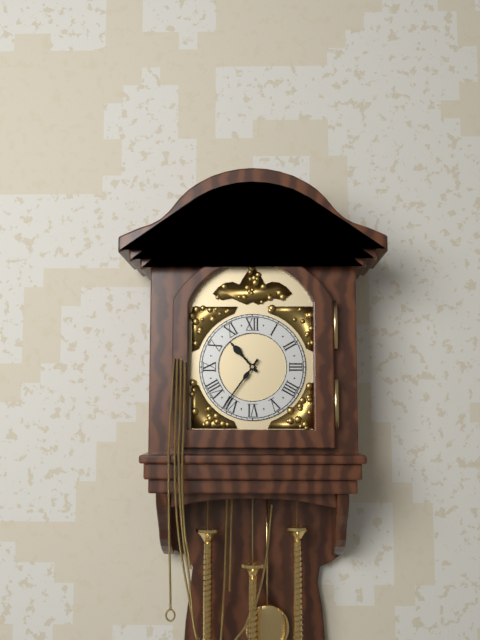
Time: {"hour": 10, "minute": 36}
